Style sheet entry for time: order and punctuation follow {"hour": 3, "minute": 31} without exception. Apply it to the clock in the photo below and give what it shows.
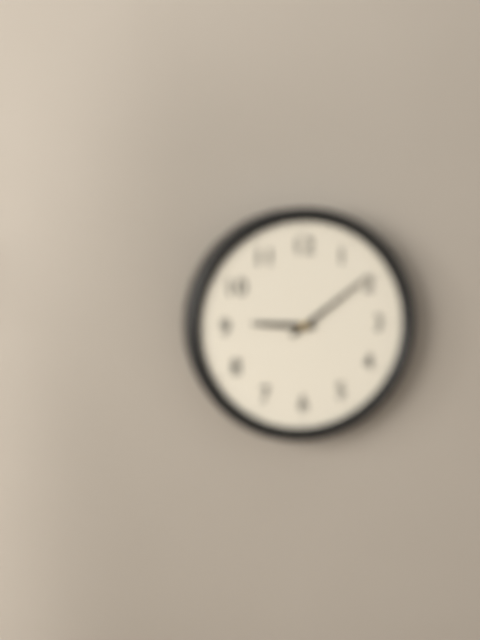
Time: {"hour": 9, "minute": 9}
